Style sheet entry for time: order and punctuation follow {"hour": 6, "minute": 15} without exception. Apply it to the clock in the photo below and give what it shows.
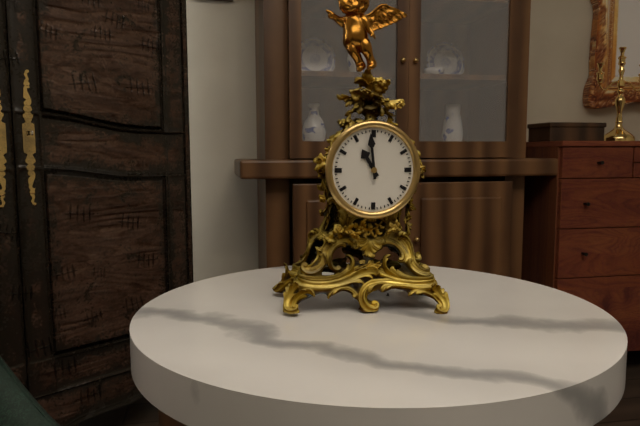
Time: {"hour": 10, "minute": 59}
